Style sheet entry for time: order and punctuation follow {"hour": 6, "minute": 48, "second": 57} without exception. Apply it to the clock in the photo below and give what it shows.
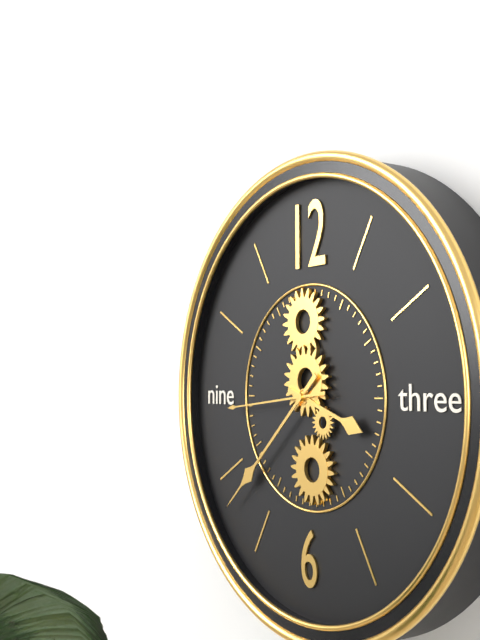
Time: {"hour": 3, "minute": 38, "second": 44}
